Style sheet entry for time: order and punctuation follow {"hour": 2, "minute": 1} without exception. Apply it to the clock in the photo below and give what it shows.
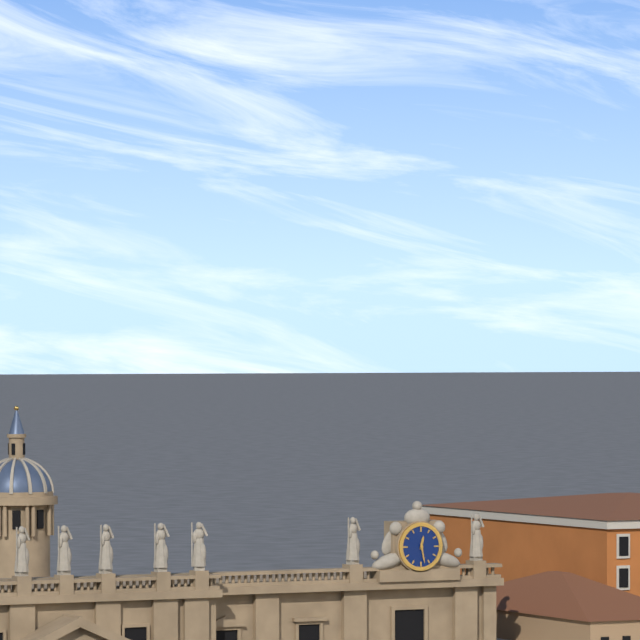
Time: {"hour": 12, "minute": 28}
